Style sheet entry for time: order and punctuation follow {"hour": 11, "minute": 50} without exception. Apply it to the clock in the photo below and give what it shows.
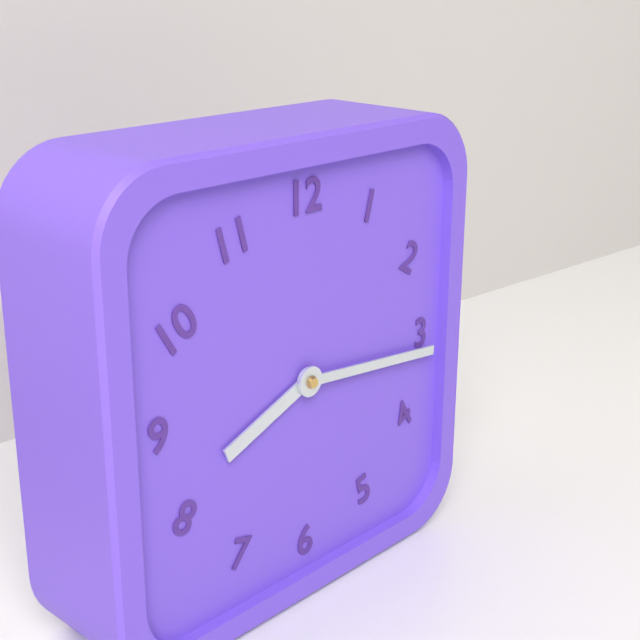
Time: {"hour": 8, "minute": 16}
